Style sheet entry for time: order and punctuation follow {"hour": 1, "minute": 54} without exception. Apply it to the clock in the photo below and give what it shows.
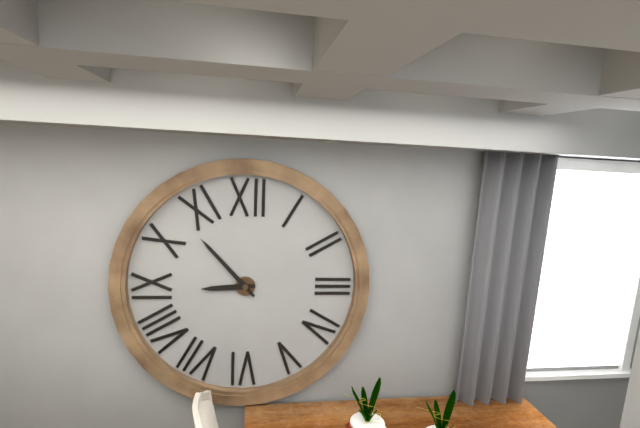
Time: {"hour": 8, "minute": 53}
